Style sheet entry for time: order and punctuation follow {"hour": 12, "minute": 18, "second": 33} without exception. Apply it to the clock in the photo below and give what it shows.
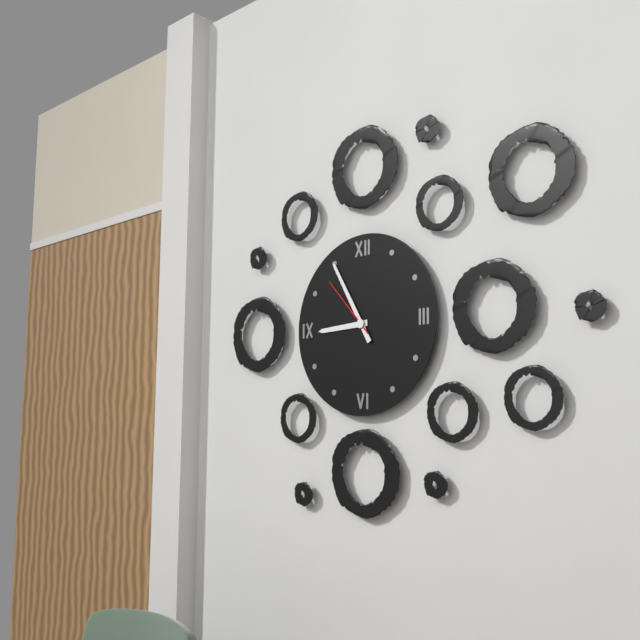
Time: {"hour": 8, "minute": 55, "second": 53}
